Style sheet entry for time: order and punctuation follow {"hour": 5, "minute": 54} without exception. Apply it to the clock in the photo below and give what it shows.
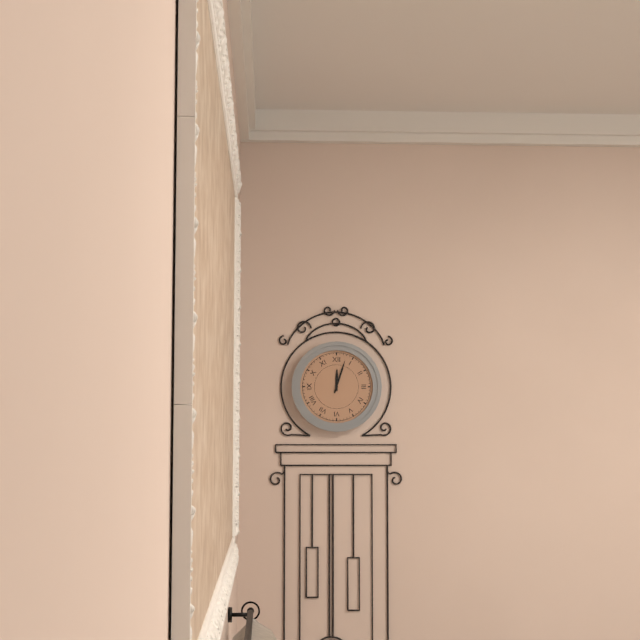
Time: {"hour": 12, "minute": 3}
